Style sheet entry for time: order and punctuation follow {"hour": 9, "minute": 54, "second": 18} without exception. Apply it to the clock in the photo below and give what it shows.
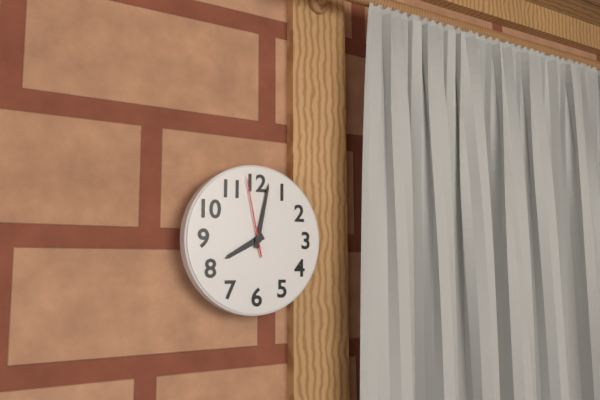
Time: {"hour": 8, "minute": 2, "second": 58}
